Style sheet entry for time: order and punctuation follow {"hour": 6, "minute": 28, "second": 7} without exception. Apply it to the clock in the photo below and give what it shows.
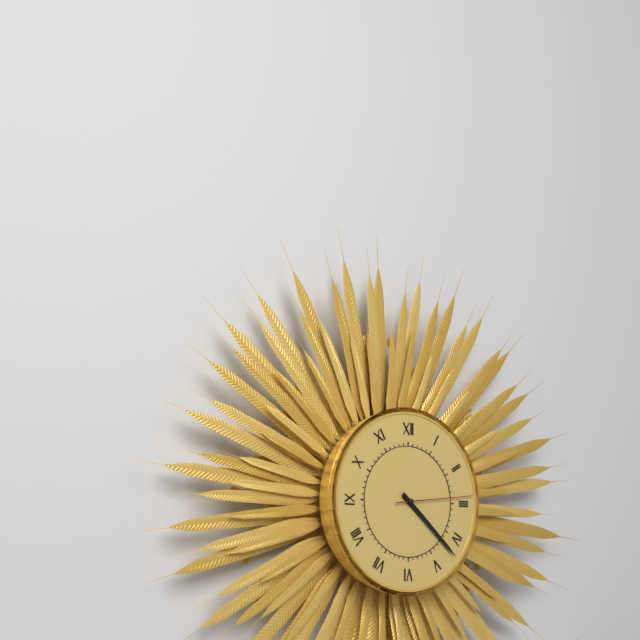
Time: {"hour": 4, "minute": 22, "second": 14}
